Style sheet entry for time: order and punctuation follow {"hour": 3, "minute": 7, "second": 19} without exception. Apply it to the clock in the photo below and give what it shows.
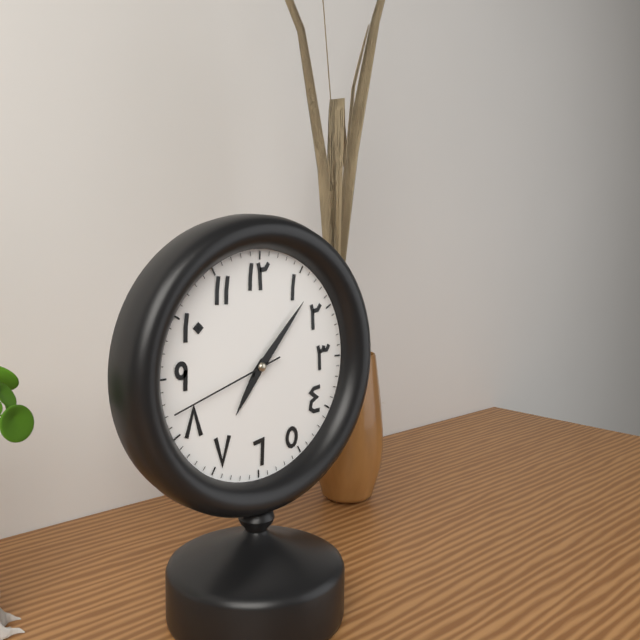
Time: {"hour": 7, "minute": 7, "second": 42}
